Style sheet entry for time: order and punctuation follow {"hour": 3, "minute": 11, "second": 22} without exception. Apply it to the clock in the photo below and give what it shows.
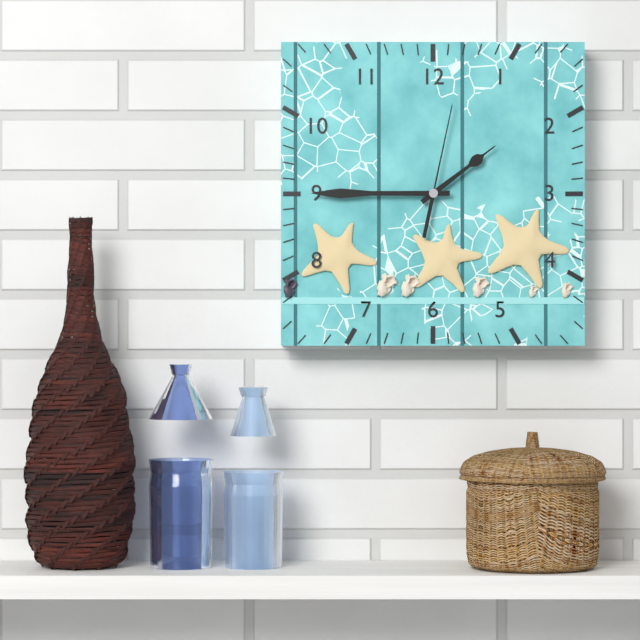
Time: {"hour": 1, "minute": 45, "second": 2}
